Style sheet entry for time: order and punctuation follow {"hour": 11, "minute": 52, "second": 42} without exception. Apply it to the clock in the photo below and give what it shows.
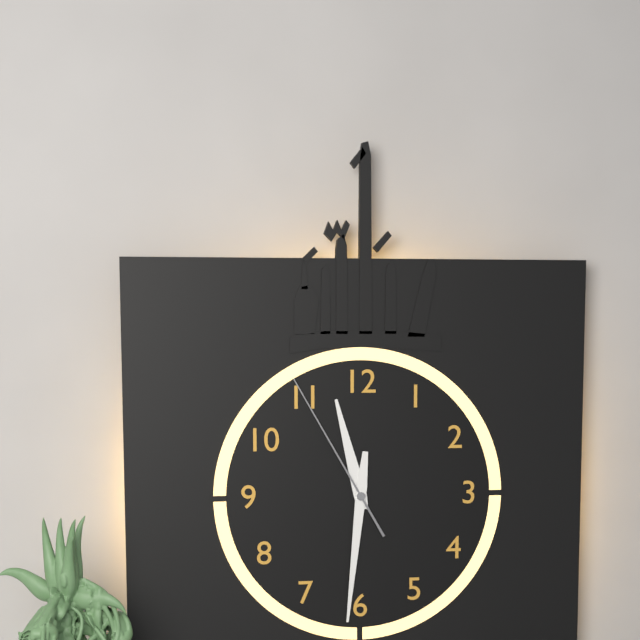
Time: {"hour": 11, "minute": 31, "second": 55}
